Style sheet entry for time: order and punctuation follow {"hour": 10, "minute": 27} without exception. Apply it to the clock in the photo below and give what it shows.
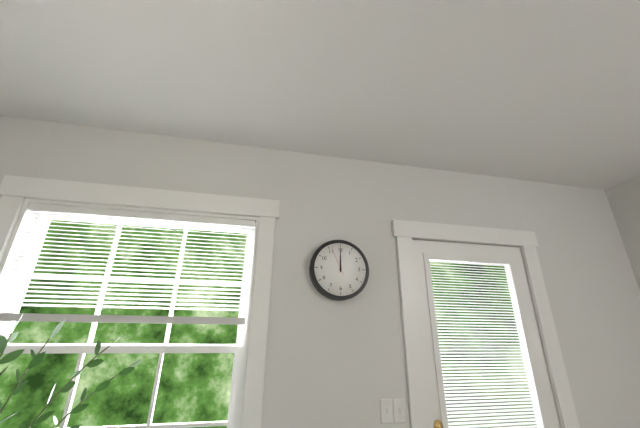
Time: {"hour": 12, "minute": 0}
